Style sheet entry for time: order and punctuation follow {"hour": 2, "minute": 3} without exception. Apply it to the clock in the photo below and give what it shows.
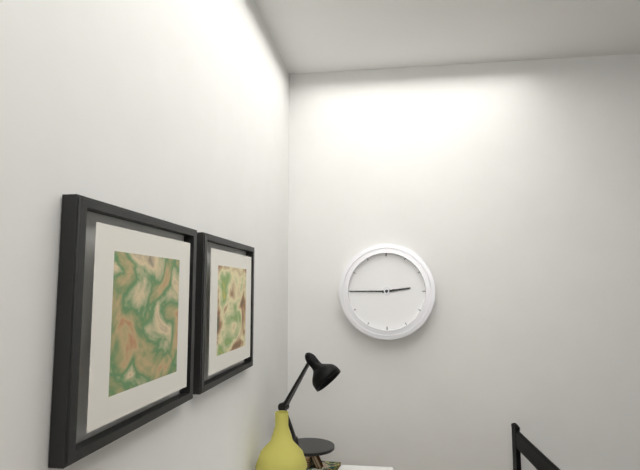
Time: {"hour": 2, "minute": 45}
